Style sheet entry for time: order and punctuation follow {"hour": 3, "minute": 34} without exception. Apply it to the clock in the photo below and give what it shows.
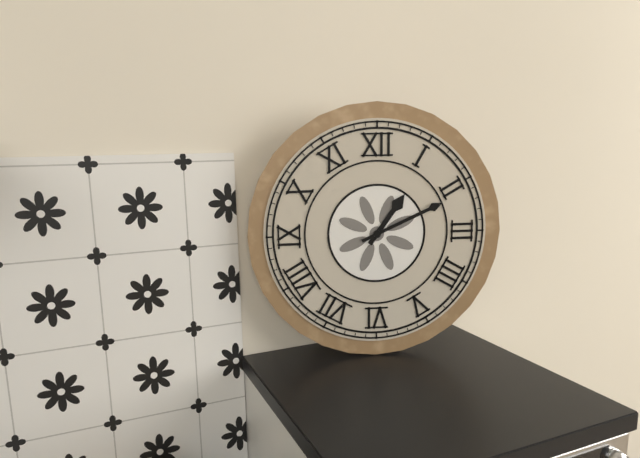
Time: {"hour": 1, "minute": 11}
